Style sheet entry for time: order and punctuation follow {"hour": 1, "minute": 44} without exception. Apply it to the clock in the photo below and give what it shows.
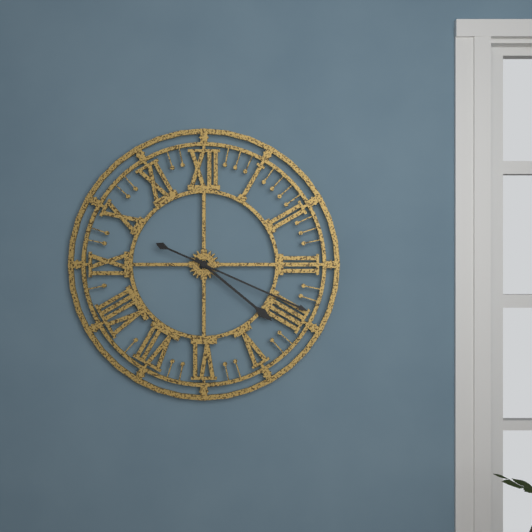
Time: {"hour": 4, "minute": 19}
